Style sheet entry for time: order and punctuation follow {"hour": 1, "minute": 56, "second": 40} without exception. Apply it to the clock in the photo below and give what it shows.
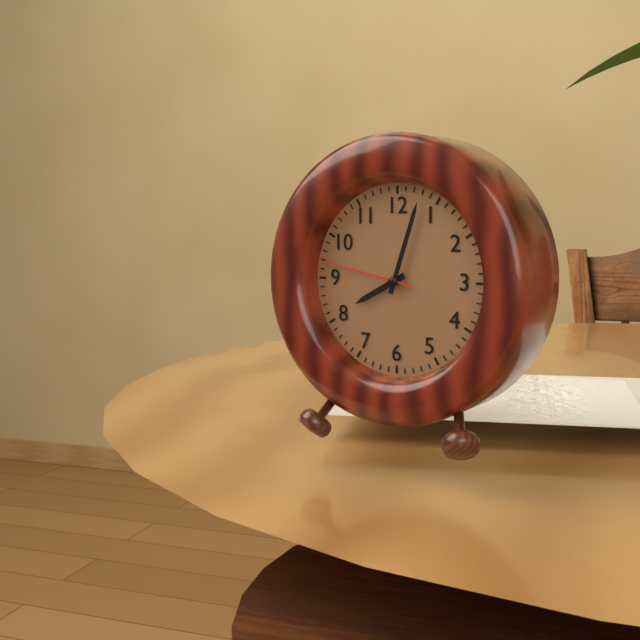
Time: {"hour": 8, "minute": 3, "second": 47}
